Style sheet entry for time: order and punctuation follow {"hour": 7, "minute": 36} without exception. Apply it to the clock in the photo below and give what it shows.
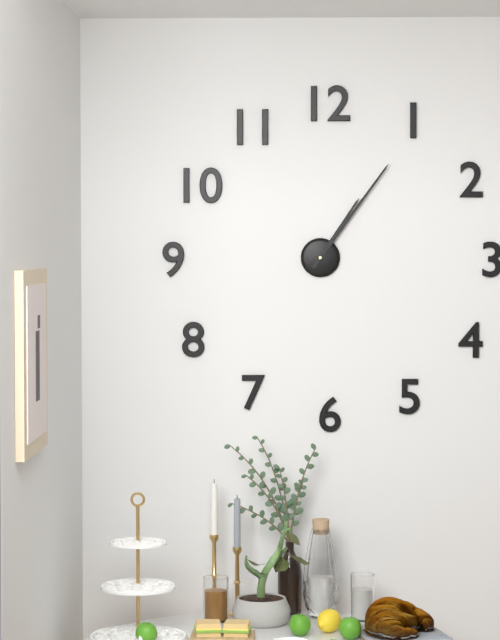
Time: {"hour": 1, "minute": 6}
